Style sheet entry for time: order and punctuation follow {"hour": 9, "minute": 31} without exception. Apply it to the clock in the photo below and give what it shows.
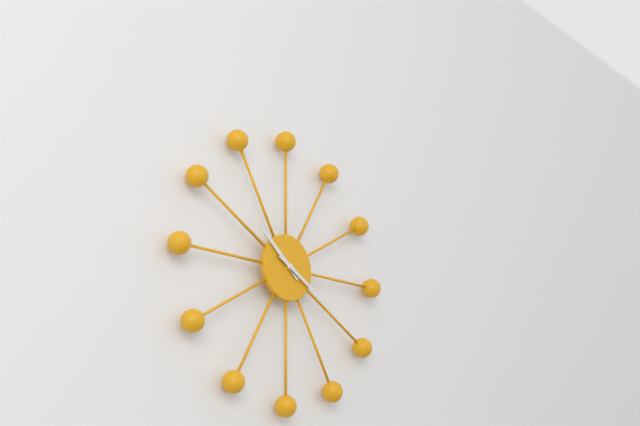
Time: {"hour": 10, "minute": 20}
